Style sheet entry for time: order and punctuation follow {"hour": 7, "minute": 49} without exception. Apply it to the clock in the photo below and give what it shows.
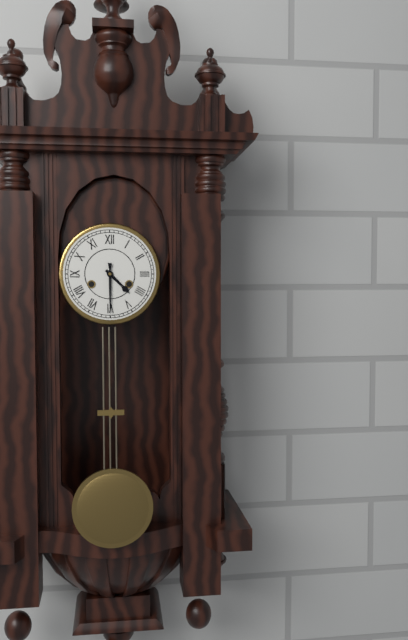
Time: {"hour": 4, "minute": 30}
